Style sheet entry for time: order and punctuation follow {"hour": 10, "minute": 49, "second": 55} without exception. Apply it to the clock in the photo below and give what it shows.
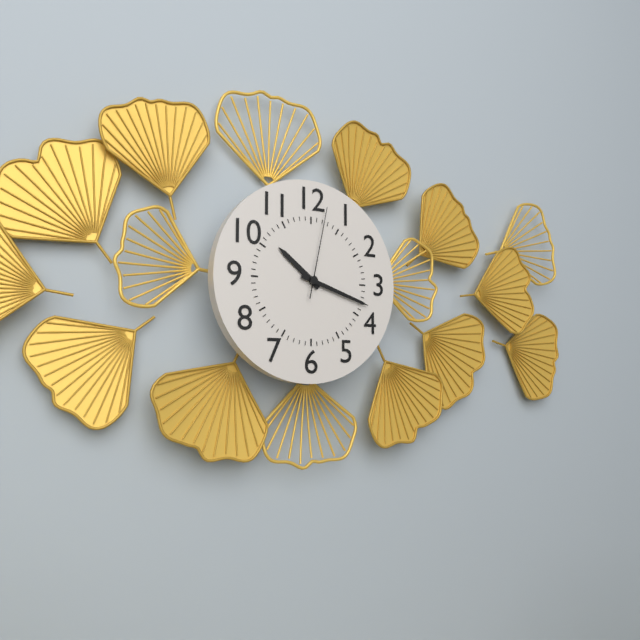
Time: {"hour": 10, "minute": 18, "second": 2}
